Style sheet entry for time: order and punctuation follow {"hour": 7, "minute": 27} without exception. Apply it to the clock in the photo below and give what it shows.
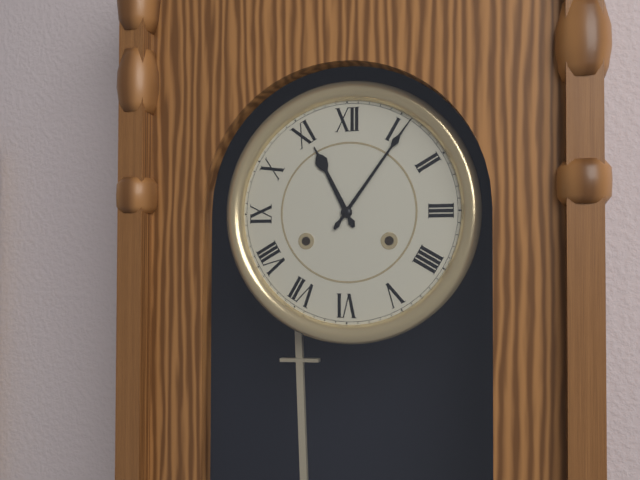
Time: {"hour": 11, "minute": 6}
